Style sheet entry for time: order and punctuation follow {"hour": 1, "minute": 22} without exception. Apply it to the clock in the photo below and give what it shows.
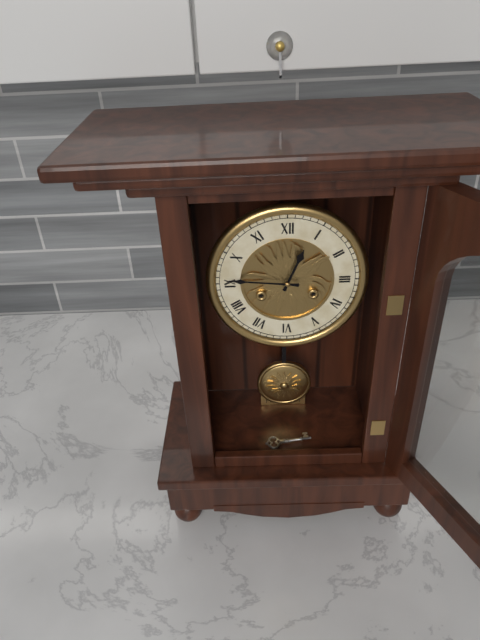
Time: {"hour": 12, "minute": 46}
